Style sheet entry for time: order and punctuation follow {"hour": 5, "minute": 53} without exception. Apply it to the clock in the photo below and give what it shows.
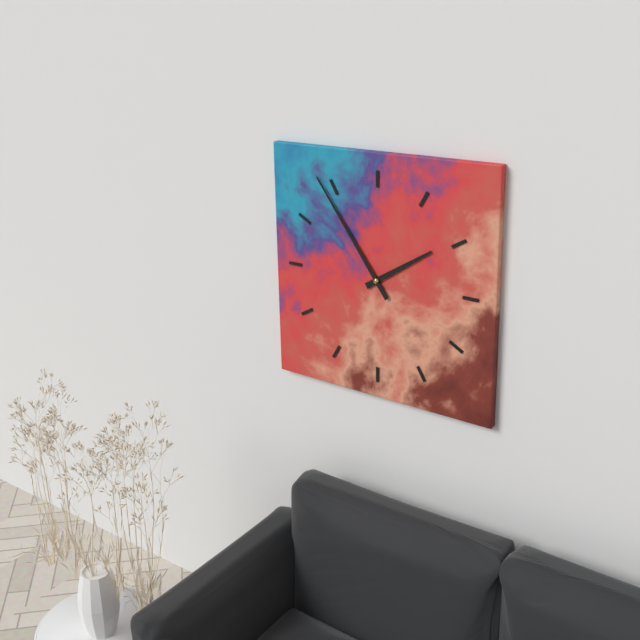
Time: {"hour": 1, "minute": 54}
